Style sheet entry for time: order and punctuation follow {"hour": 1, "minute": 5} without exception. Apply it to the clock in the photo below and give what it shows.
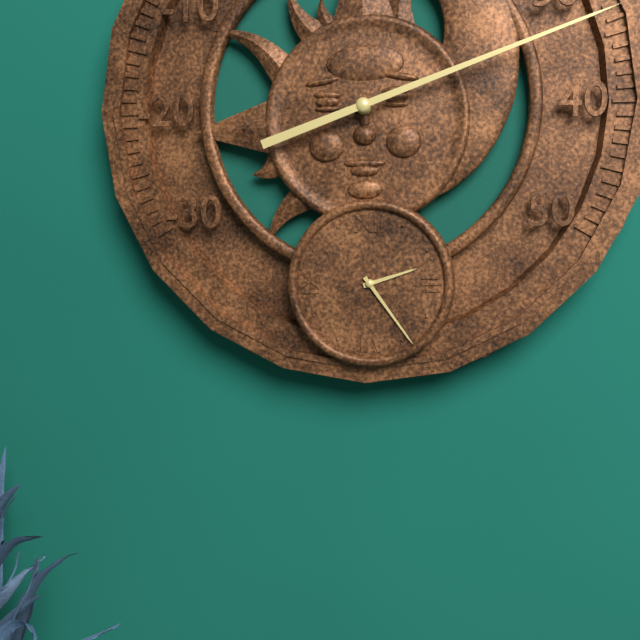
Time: {"hour": 2, "minute": 24}
